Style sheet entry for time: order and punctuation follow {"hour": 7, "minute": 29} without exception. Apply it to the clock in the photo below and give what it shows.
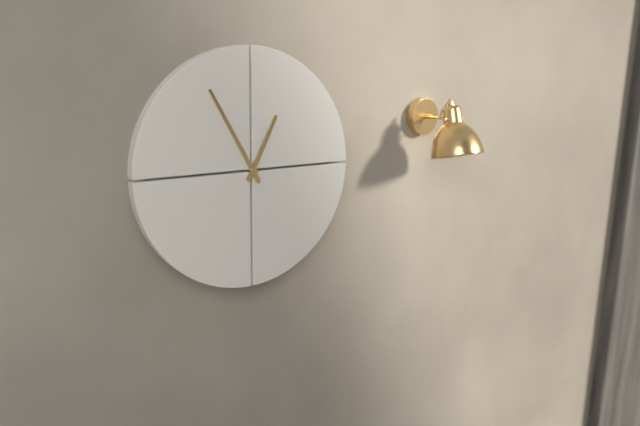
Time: {"hour": 12, "minute": 55}
